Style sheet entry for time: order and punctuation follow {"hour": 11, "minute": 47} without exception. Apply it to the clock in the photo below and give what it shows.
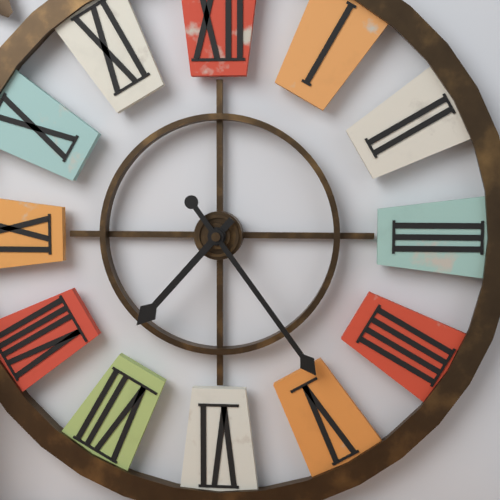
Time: {"hour": 7, "minute": 24}
